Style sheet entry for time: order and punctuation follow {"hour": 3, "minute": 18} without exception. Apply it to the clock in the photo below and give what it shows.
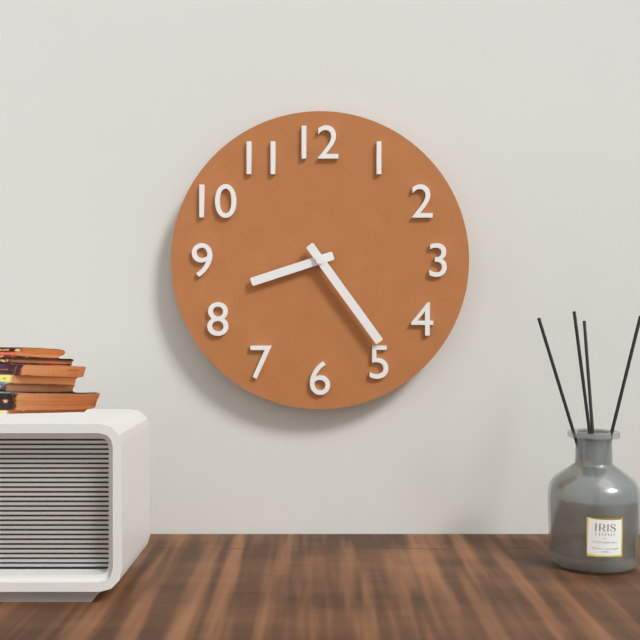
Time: {"hour": 8, "minute": 24}
